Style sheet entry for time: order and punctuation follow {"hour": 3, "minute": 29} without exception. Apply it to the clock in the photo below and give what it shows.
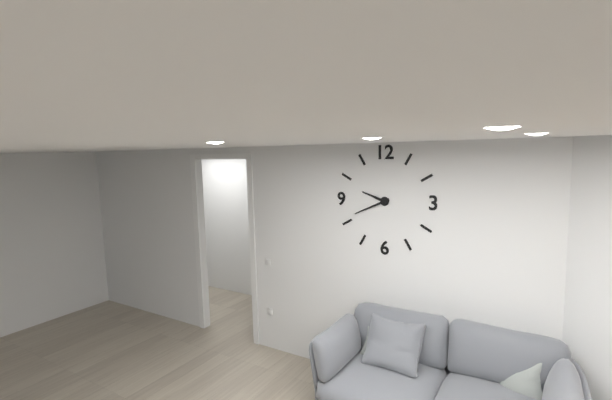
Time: {"hour": 9, "minute": 41}
